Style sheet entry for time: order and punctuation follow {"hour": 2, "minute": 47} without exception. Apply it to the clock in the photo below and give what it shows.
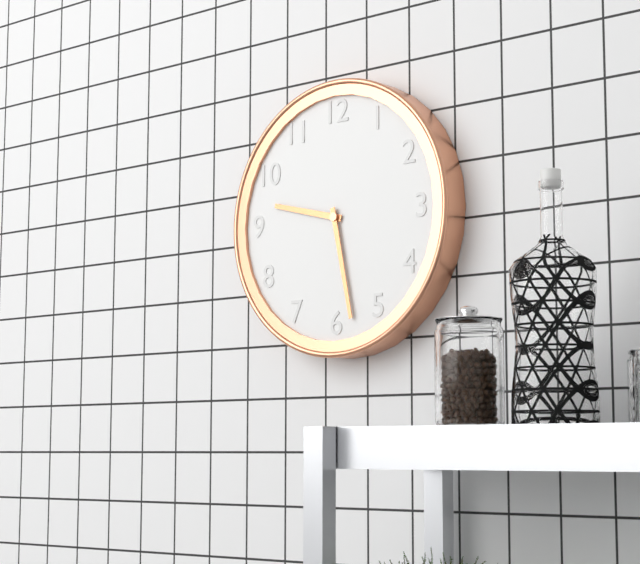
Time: {"hour": 9, "minute": 28}
